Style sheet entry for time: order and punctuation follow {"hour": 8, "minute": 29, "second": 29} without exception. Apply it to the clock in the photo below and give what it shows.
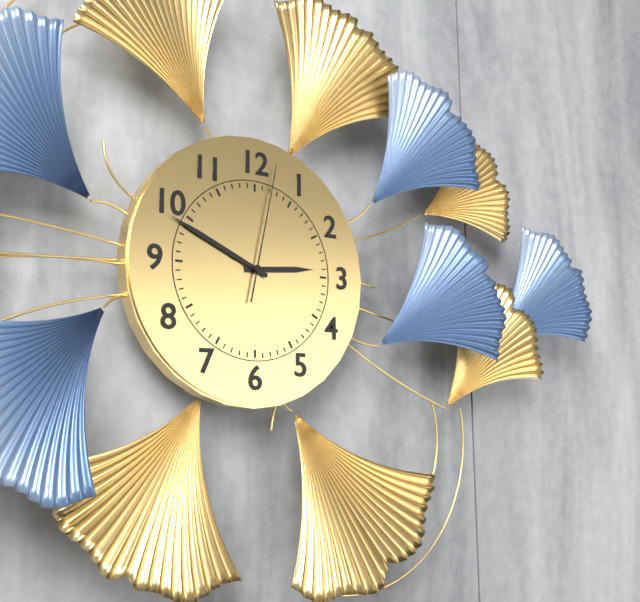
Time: {"hour": 2, "minute": 49, "second": 2}
